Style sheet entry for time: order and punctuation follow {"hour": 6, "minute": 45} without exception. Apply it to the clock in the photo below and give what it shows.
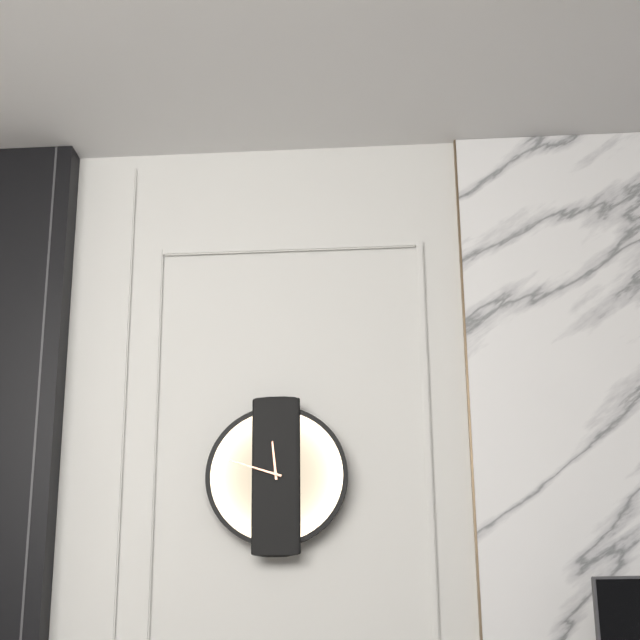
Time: {"hour": 11, "minute": 48}
